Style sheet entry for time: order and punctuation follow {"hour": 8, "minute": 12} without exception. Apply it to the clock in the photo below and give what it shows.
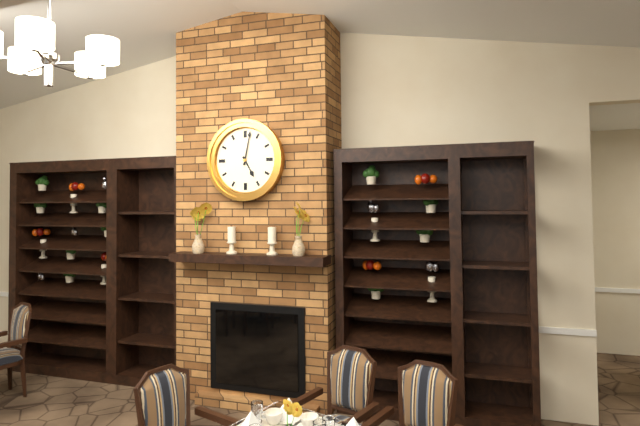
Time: {"hour": 5, "minute": 2}
